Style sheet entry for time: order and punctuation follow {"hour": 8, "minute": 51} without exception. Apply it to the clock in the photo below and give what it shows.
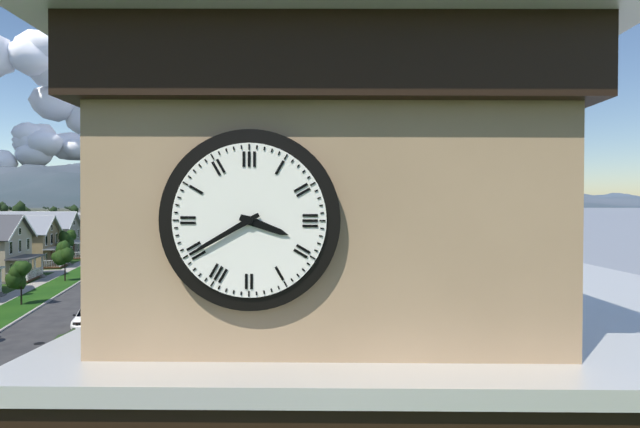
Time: {"hour": 3, "minute": 40}
